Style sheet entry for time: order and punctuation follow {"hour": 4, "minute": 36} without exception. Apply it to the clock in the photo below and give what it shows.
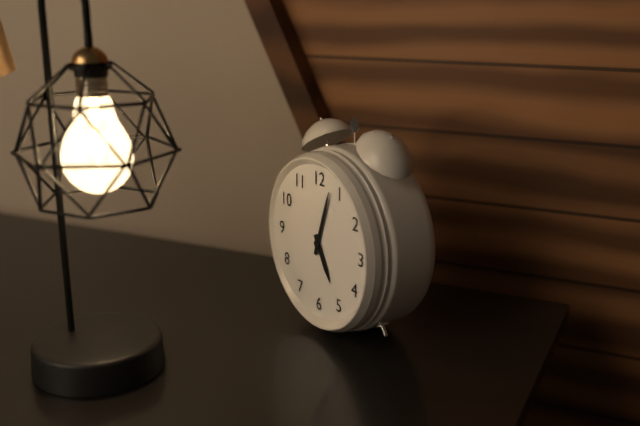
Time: {"hour": 5, "minute": 3}
